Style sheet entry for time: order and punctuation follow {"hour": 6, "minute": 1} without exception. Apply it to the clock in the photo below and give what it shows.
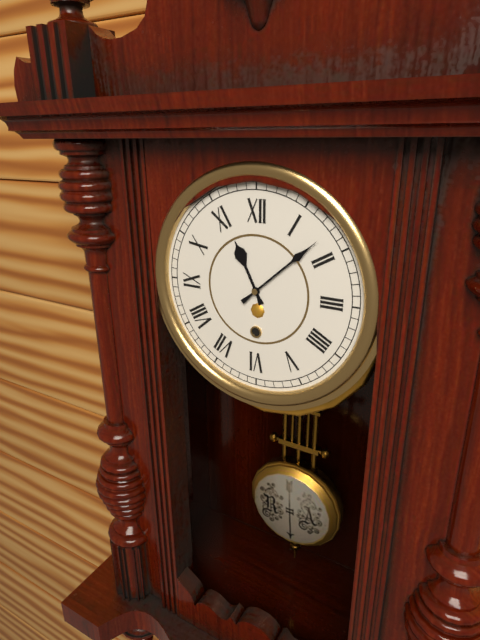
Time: {"hour": 11, "minute": 8}
